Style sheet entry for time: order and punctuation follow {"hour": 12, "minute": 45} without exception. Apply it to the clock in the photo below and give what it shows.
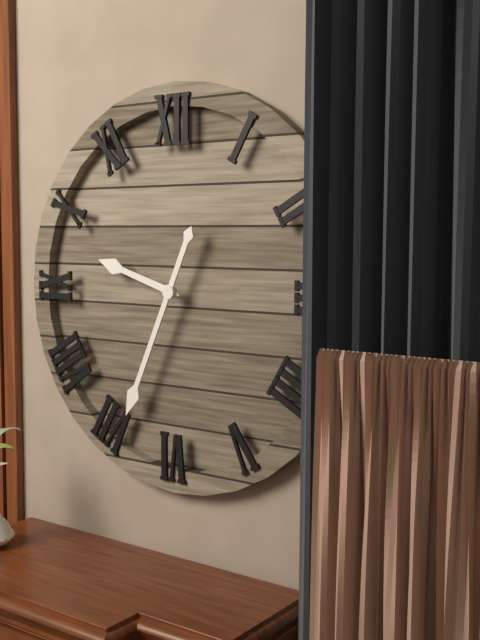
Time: {"hour": 9, "minute": 34}
